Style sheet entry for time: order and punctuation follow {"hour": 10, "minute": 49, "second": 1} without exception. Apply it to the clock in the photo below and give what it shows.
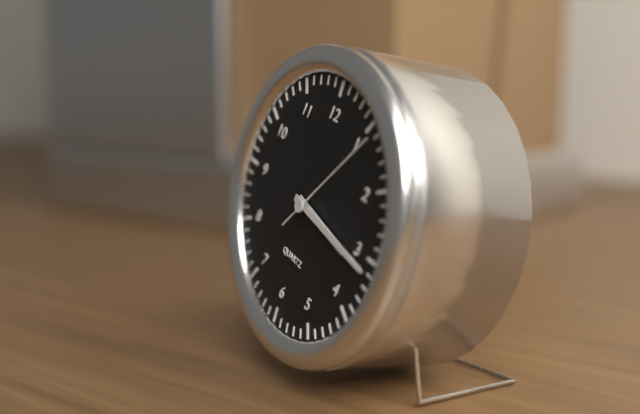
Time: {"hour": 3, "minute": 16, "second": 6}
